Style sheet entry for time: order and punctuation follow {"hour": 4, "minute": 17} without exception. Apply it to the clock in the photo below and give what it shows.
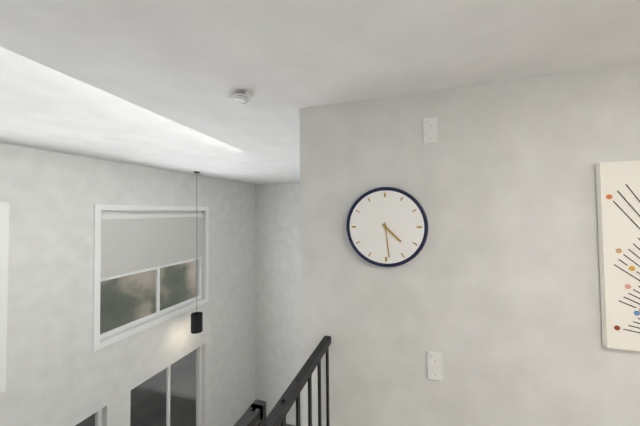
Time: {"hour": 4, "minute": 29}
